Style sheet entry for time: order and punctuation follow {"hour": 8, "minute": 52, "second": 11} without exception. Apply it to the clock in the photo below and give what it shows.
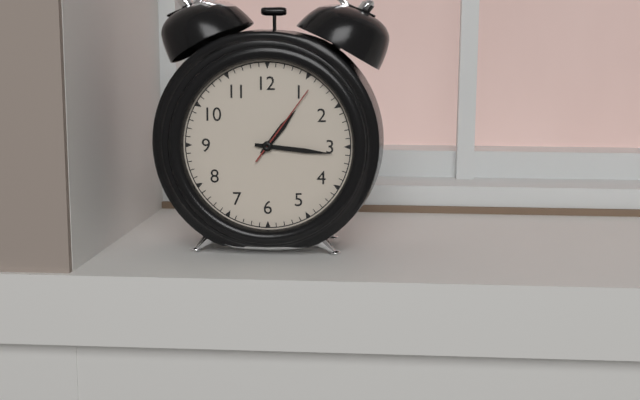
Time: {"hour": 1, "minute": 16, "second": 6}
